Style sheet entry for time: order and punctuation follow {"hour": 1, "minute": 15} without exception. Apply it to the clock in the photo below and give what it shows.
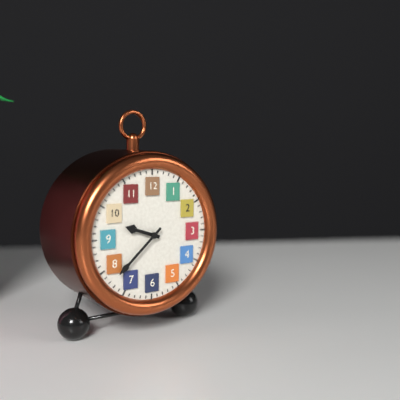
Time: {"hour": 9, "minute": 38}
